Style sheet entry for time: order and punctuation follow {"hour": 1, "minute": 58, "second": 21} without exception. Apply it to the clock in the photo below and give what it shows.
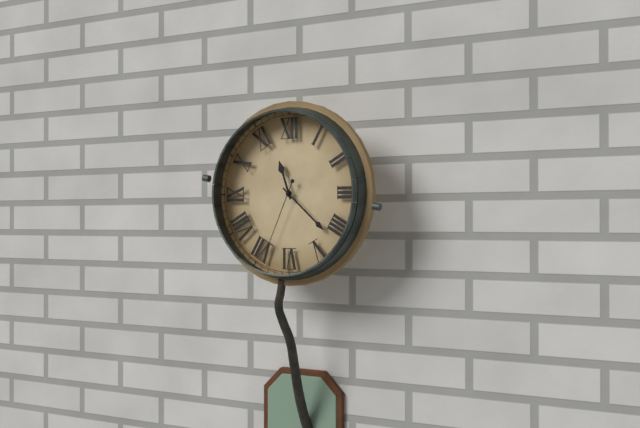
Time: {"hour": 11, "minute": 22, "second": 34}
